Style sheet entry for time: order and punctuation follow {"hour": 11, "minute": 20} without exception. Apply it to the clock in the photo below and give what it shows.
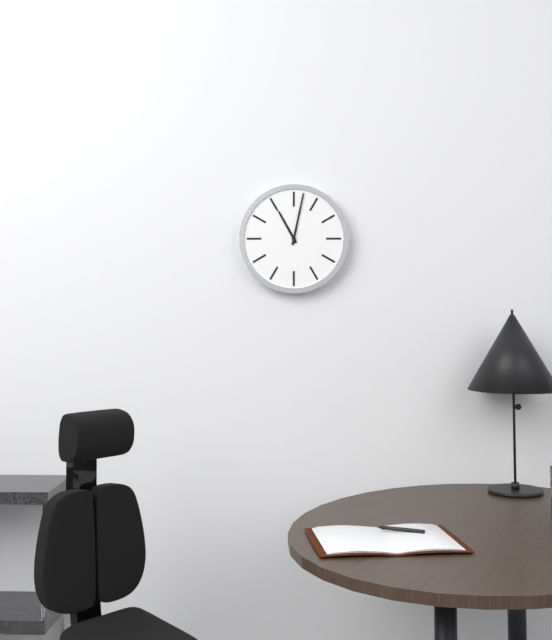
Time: {"hour": 11, "minute": 2}
